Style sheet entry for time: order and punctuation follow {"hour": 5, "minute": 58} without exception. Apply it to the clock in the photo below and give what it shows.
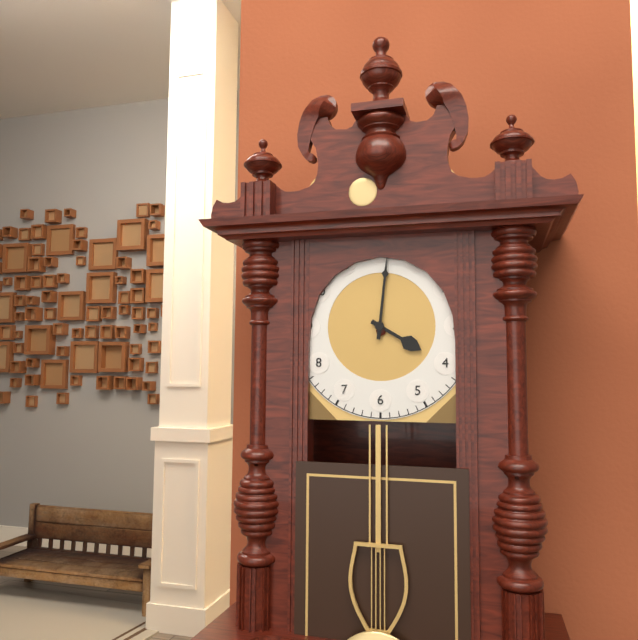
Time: {"hour": 4, "minute": 1}
